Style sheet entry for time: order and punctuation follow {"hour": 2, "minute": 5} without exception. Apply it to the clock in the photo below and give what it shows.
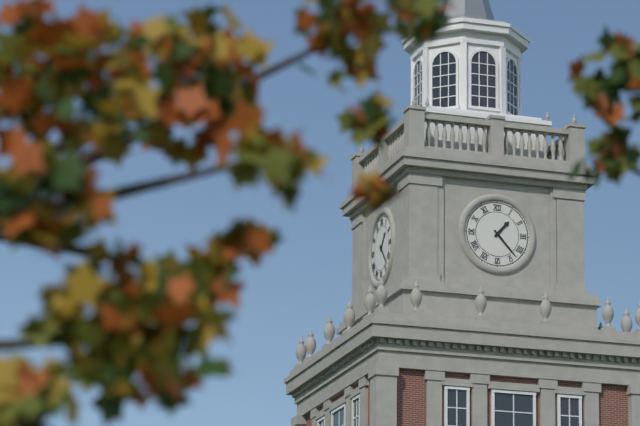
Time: {"hour": 1, "minute": 23}
